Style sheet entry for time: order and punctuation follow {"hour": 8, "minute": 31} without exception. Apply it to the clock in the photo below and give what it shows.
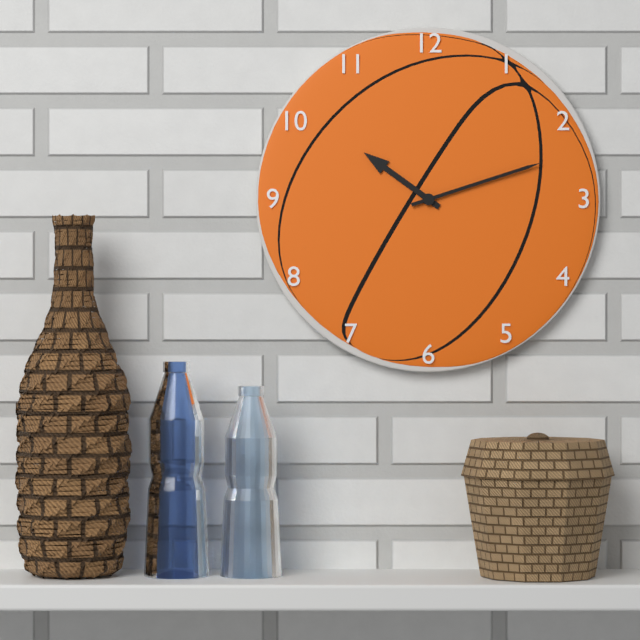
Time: {"hour": 10, "minute": 12}
